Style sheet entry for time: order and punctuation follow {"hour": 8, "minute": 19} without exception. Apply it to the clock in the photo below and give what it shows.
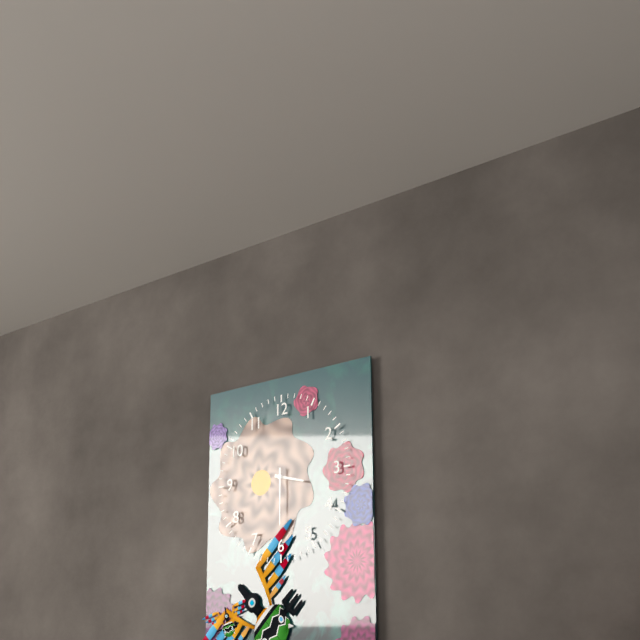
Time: {"hour": 3, "minute": 30}
